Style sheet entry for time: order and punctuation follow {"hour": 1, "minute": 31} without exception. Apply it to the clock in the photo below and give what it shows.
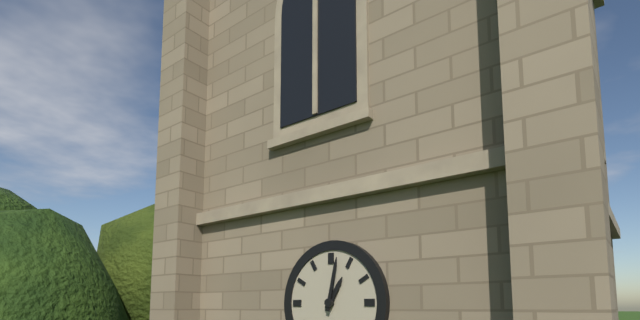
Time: {"hour": 1, "minute": 2}
